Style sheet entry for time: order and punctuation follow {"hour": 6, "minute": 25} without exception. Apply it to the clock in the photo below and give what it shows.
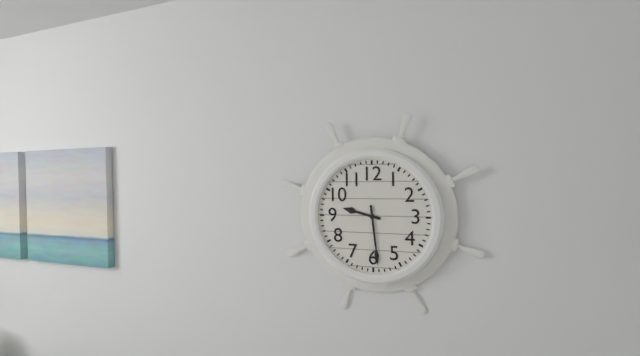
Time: {"hour": 9, "minute": 29}
